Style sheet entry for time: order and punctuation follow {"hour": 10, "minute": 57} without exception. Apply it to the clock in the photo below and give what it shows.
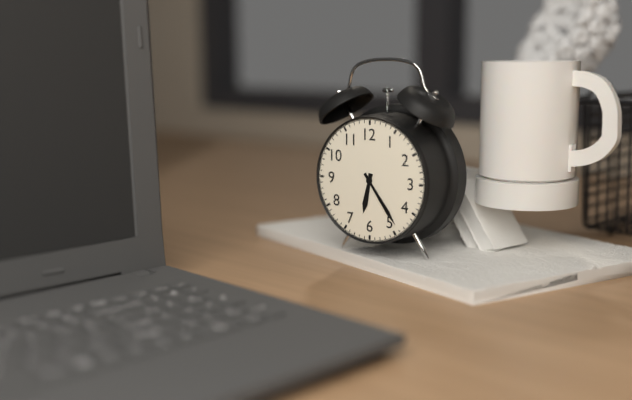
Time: {"hour": 6, "minute": 24}
